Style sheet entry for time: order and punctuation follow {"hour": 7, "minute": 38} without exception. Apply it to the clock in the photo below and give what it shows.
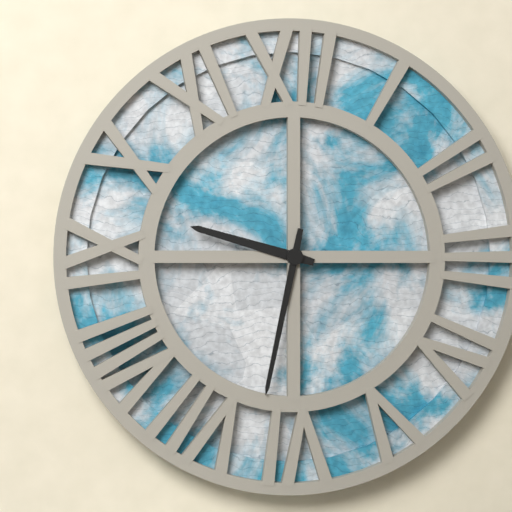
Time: {"hour": 9, "minute": 32}
